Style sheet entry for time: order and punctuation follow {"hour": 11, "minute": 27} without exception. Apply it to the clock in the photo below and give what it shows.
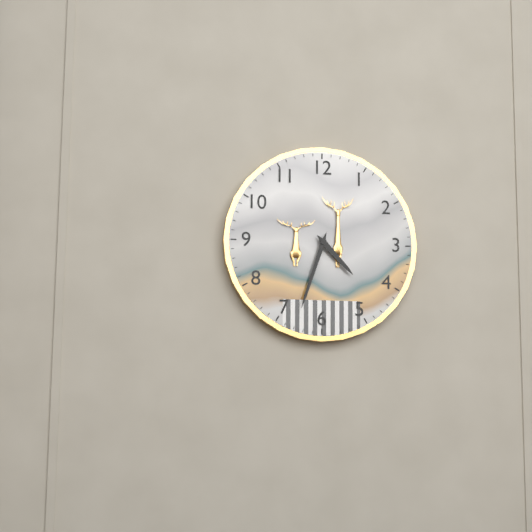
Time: {"hour": 4, "minute": 33}
